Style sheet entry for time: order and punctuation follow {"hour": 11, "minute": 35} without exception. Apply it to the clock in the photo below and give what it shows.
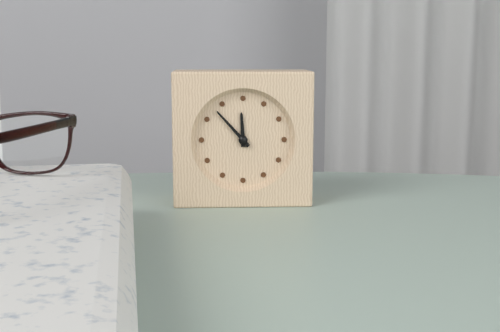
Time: {"hour": 11, "minute": 53}
